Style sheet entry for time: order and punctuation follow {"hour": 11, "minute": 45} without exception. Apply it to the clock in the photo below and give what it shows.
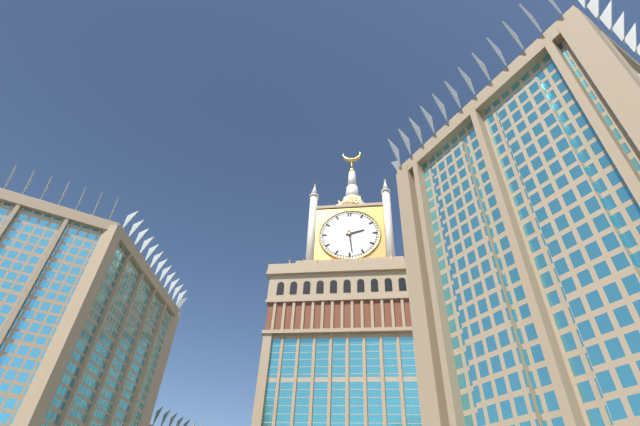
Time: {"hour": 2, "minute": 29}
